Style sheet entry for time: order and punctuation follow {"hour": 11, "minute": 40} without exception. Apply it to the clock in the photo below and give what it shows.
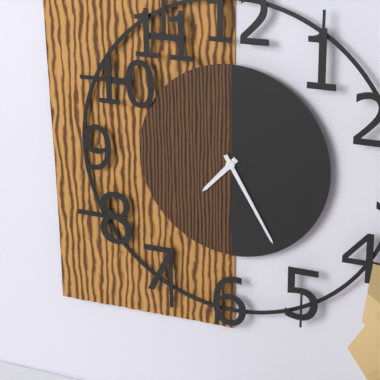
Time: {"hour": 7, "minute": 25}
